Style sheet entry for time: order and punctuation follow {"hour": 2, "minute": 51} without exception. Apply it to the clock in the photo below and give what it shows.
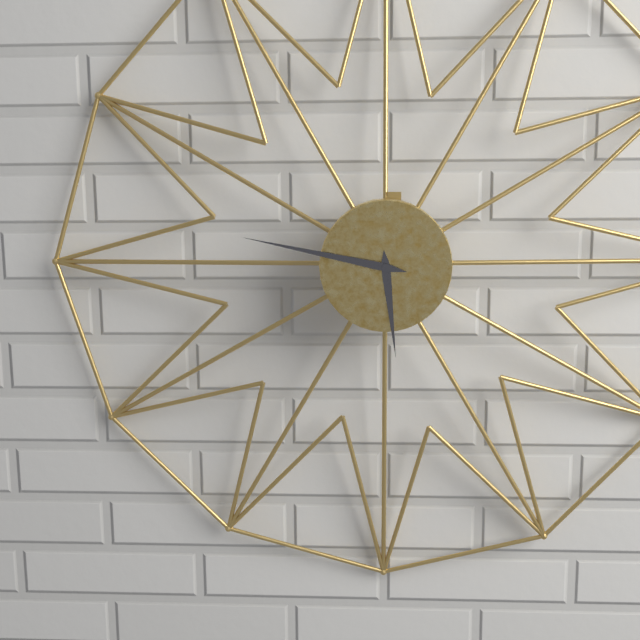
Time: {"hour": 5, "minute": 47}
